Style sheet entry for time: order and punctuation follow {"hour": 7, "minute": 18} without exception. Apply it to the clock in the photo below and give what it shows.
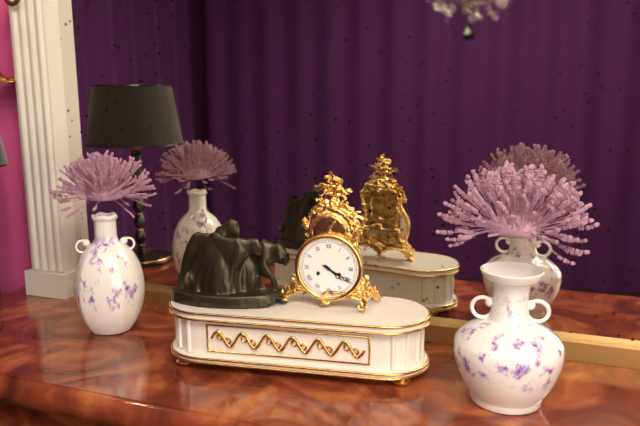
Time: {"hour": 4, "minute": 20}
